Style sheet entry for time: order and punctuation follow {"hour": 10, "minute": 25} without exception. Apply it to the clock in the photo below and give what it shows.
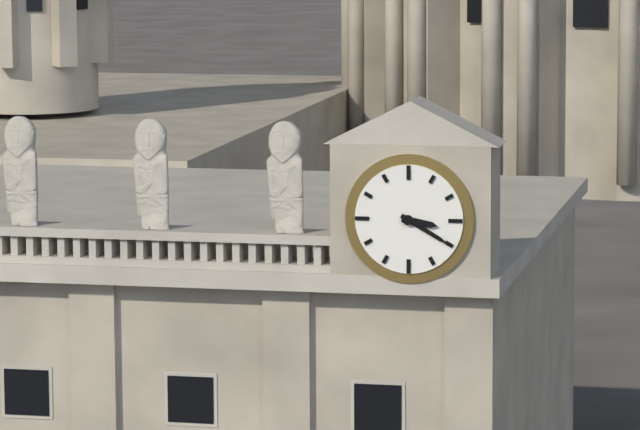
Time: {"hour": 3, "minute": 20}
